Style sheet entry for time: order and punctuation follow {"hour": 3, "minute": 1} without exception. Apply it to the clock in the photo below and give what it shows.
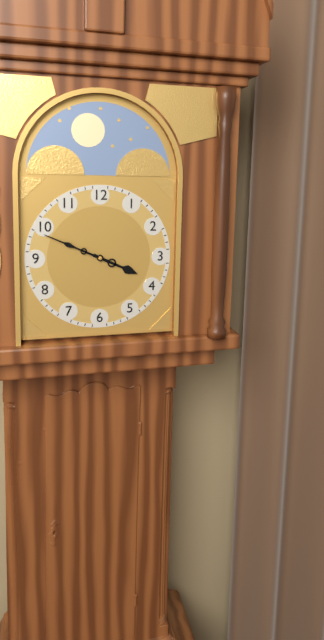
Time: {"hour": 3, "minute": 49}
